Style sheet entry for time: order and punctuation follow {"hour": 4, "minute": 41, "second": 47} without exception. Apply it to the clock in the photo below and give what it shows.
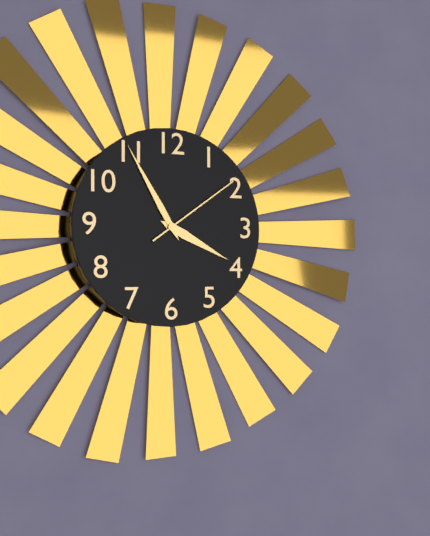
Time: {"hour": 3, "minute": 55, "second": 9}
